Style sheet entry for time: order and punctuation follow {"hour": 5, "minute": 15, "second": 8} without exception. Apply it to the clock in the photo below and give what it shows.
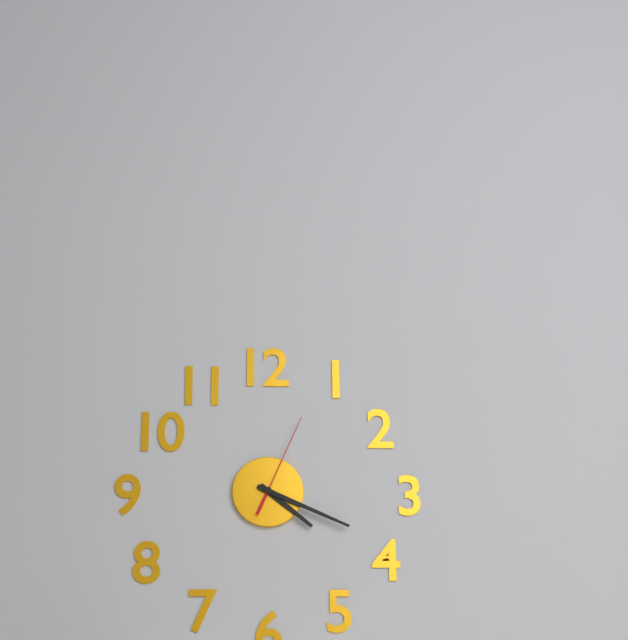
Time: {"hour": 4, "minute": 19, "second": 4}
